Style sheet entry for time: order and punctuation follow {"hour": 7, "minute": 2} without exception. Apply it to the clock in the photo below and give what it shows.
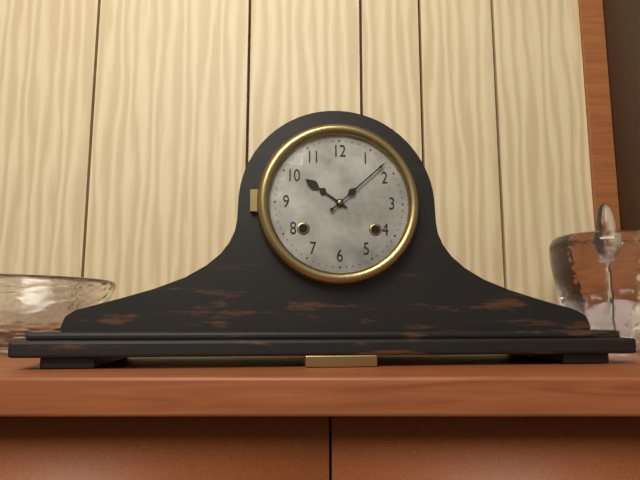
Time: {"hour": 10, "minute": 8}
